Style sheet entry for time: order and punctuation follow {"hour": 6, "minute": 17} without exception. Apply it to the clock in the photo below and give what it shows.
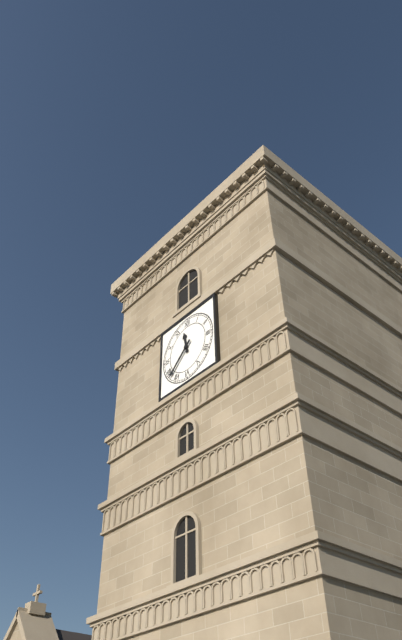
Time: {"hour": 11, "minute": 38}
